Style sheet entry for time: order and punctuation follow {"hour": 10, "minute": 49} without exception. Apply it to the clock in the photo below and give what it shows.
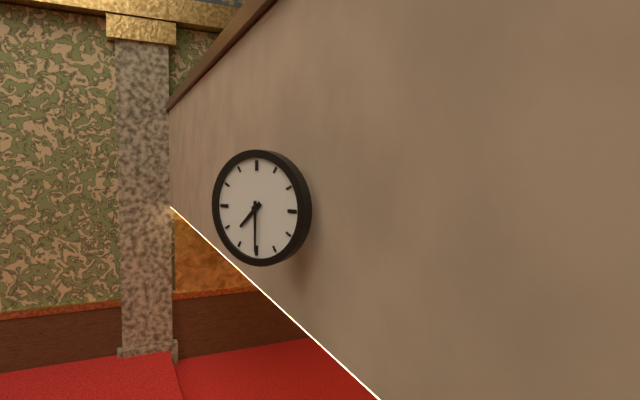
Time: {"hour": 7, "minute": 30}
